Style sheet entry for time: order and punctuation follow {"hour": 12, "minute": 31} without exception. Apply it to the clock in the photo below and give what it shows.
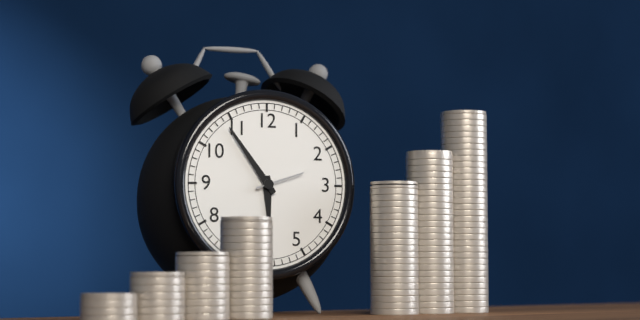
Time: {"hour": 5, "minute": 54}
